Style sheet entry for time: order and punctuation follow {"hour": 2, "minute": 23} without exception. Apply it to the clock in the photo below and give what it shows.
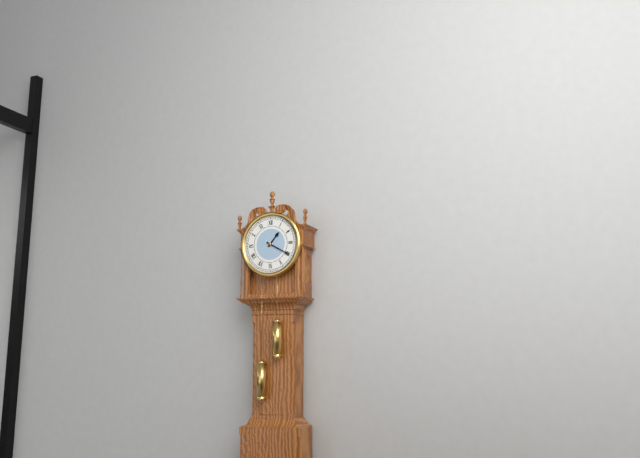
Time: {"hour": 1, "minute": 20}
